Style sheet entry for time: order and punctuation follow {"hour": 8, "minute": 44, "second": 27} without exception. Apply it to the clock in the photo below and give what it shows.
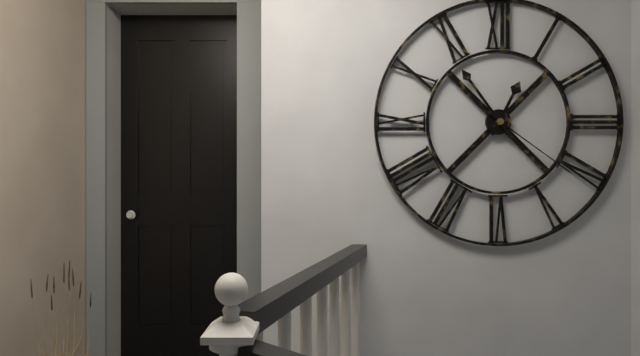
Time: {"hour": 12, "minute": 54, "second": 21}
